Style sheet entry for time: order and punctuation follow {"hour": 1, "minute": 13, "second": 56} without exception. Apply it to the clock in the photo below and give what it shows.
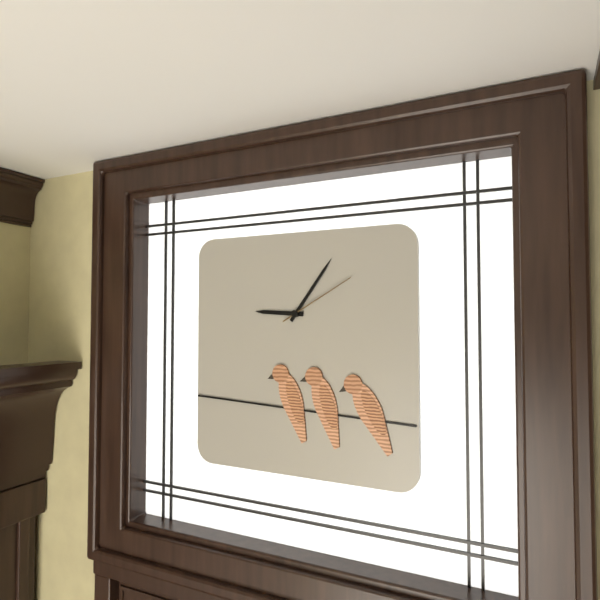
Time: {"hour": 9, "minute": 6, "second": 10}
